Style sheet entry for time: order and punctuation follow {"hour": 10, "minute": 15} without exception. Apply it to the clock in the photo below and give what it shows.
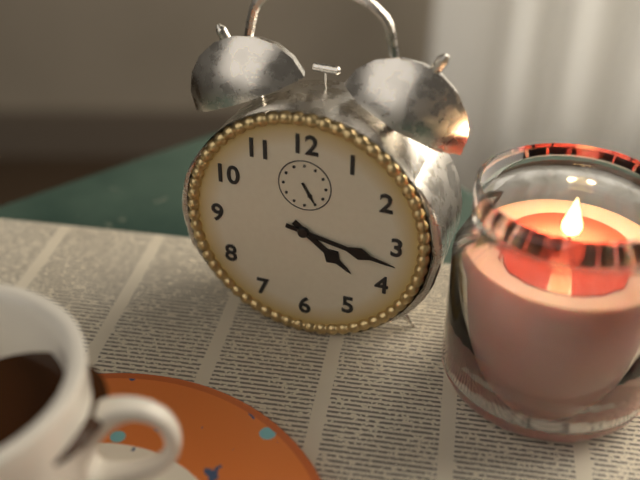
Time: {"hour": 4, "minute": 17}
